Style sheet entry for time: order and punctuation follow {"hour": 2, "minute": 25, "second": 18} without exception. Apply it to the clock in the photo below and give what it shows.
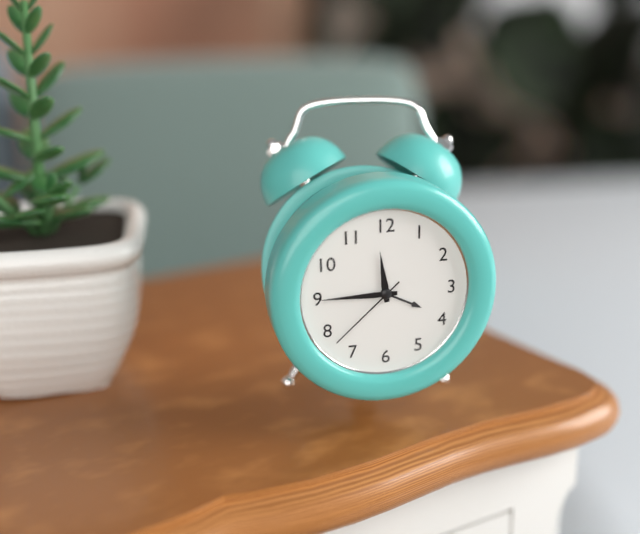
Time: {"hour": 11, "minute": 45, "second": 38}
